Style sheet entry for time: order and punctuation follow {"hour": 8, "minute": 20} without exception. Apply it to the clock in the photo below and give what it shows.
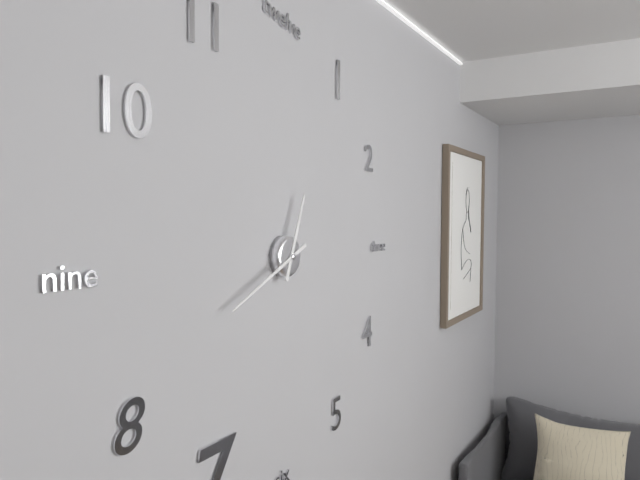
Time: {"hour": 12, "minute": 41}
